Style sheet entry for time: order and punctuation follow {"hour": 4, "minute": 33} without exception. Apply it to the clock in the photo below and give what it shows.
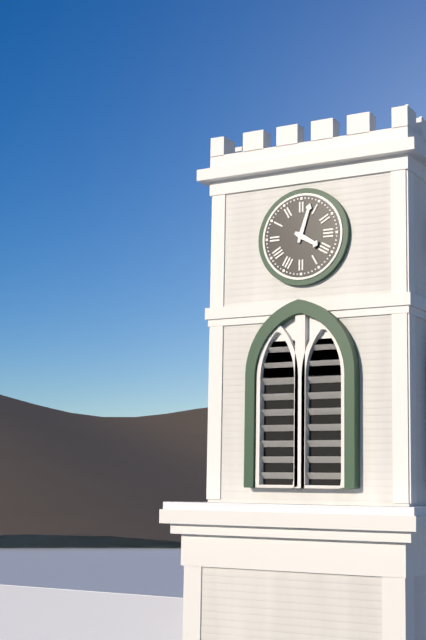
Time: {"hour": 4, "minute": 3}
